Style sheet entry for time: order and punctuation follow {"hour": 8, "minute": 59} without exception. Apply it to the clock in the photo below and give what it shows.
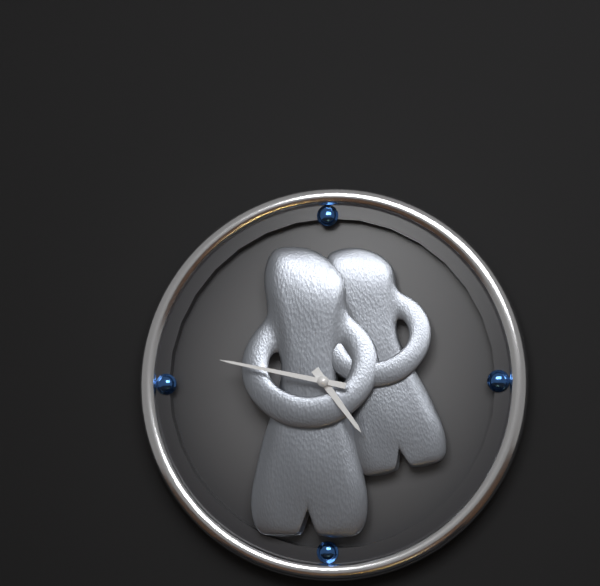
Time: {"hour": 4, "minute": 47}
